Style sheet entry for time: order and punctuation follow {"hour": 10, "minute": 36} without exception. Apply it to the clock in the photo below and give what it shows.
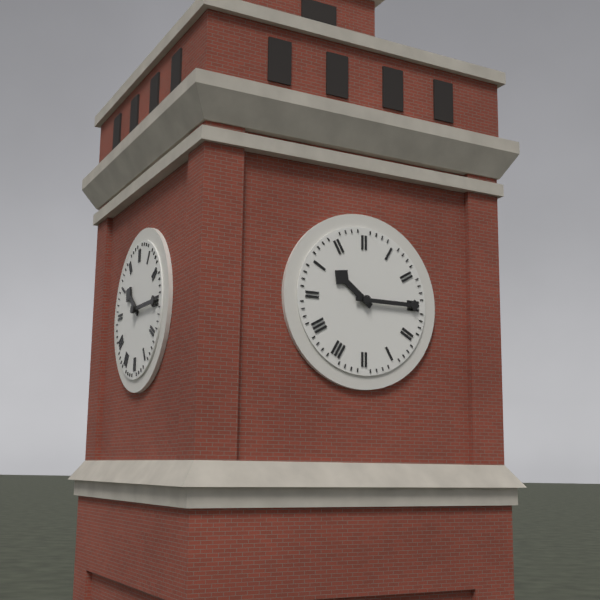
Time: {"hour": 10, "minute": 15}
